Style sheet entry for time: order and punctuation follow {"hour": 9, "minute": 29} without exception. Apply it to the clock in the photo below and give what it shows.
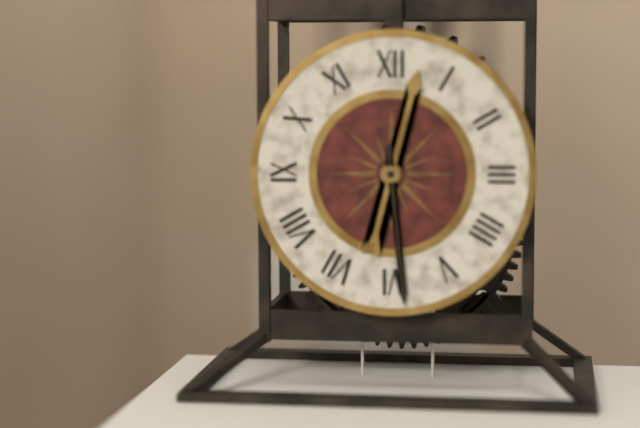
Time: {"hour": 12, "minute": 29}
